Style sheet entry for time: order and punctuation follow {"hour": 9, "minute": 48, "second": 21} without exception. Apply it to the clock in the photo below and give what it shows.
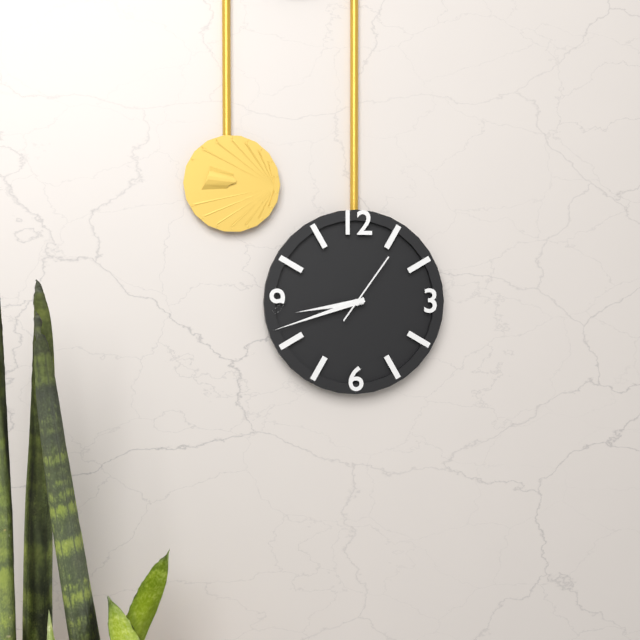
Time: {"hour": 8, "minute": 42, "second": 6}
